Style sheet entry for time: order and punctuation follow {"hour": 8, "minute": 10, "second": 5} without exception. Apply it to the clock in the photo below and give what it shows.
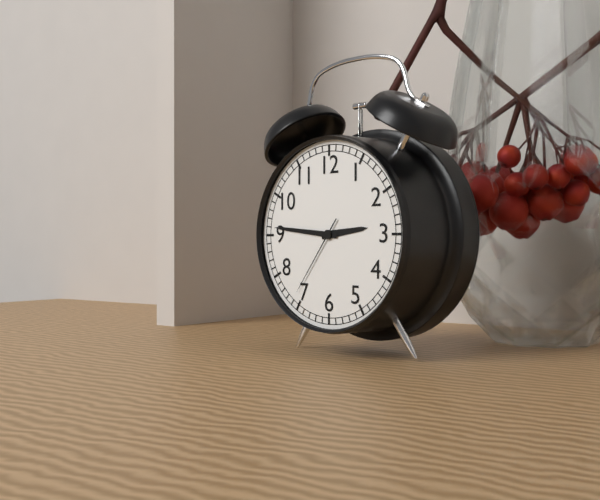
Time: {"hour": 2, "minute": 46, "second": 36}
